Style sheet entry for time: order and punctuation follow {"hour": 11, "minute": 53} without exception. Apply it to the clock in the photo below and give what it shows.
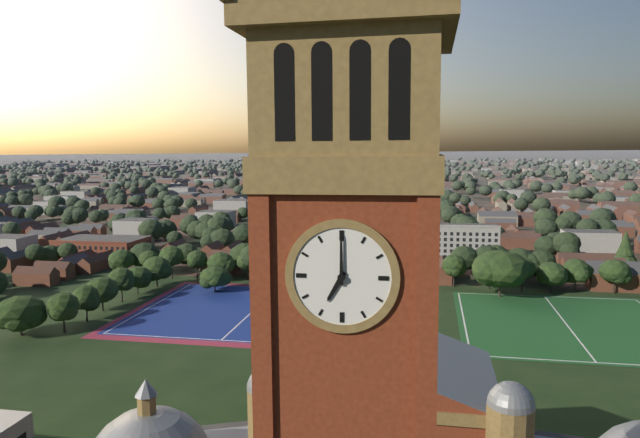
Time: {"hour": 7, "minute": 0}
